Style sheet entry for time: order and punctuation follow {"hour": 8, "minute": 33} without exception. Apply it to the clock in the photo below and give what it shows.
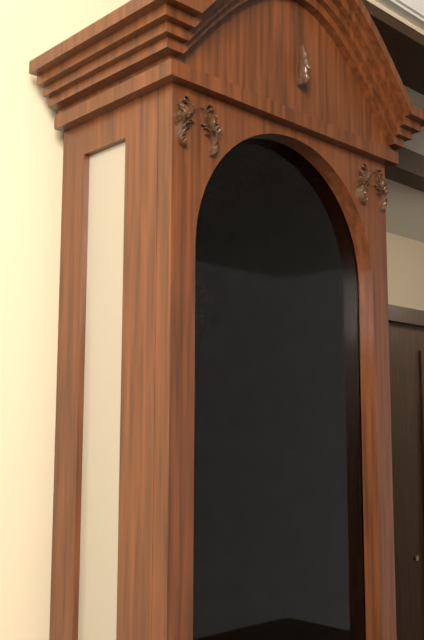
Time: {"hour": 9, "minute": 26}
